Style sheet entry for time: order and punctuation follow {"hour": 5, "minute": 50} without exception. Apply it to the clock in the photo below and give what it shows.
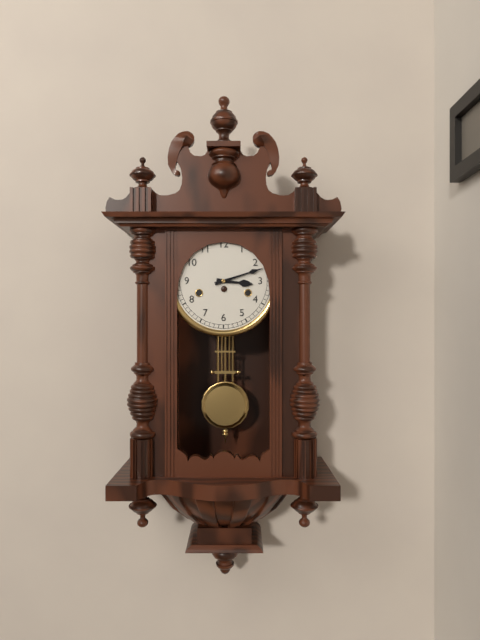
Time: {"hour": 3, "minute": 12}
